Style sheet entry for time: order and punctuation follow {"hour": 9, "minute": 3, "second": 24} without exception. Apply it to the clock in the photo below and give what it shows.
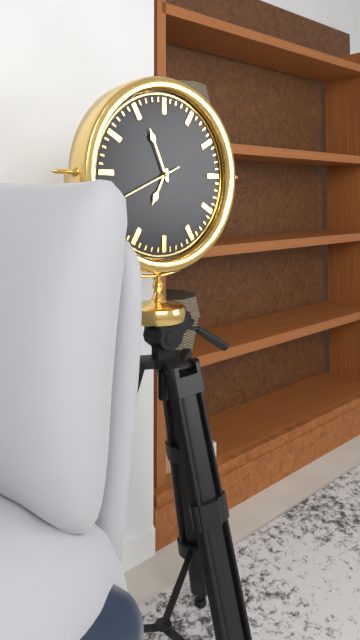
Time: {"hour": 6, "minute": 56, "second": 41}
